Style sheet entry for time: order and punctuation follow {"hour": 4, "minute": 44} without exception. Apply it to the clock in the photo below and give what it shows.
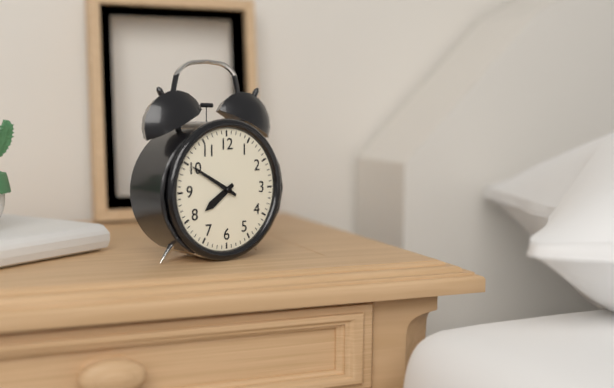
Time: {"hour": 7, "minute": 50}
